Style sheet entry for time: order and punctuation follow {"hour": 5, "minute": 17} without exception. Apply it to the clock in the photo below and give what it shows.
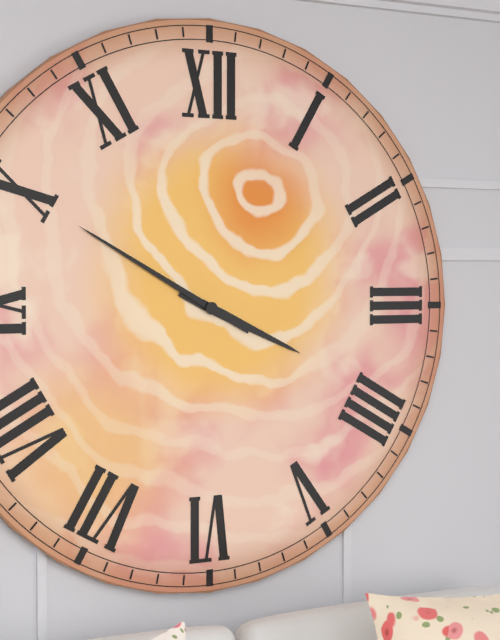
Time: {"hour": 3, "minute": 50}
